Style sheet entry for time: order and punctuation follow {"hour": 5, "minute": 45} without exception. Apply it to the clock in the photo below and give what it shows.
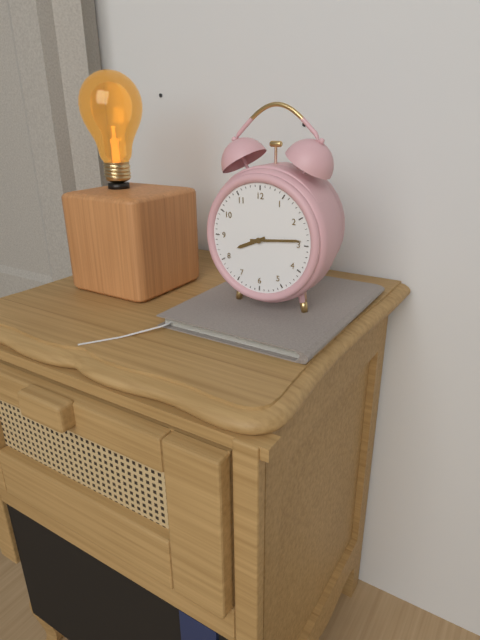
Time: {"hour": 8, "minute": 14}
